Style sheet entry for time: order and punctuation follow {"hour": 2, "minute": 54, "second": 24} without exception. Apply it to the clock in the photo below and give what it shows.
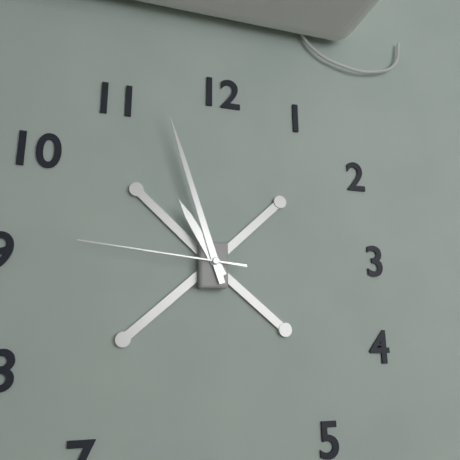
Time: {"hour": 10, "minute": 57, "second": 46}
